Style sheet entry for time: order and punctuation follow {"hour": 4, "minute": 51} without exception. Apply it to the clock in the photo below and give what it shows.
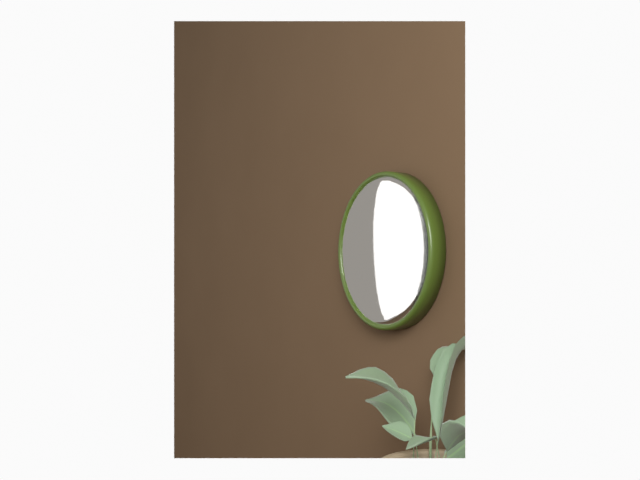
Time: {"hour": 8, "minute": 48}
